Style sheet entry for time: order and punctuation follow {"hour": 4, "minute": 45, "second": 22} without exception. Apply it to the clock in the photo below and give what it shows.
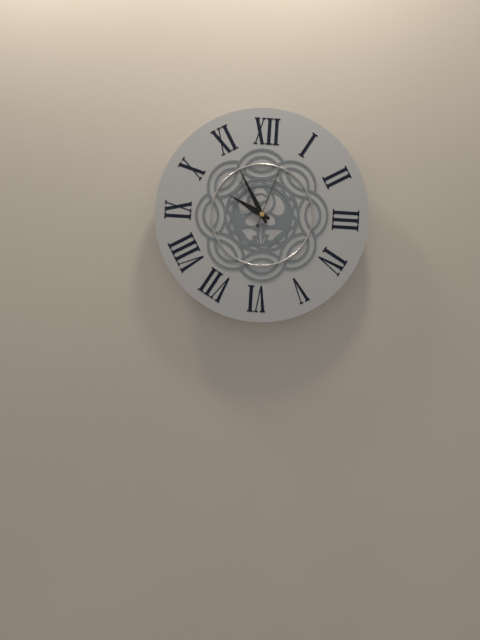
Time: {"hour": 9, "minute": 55, "second": 3}
